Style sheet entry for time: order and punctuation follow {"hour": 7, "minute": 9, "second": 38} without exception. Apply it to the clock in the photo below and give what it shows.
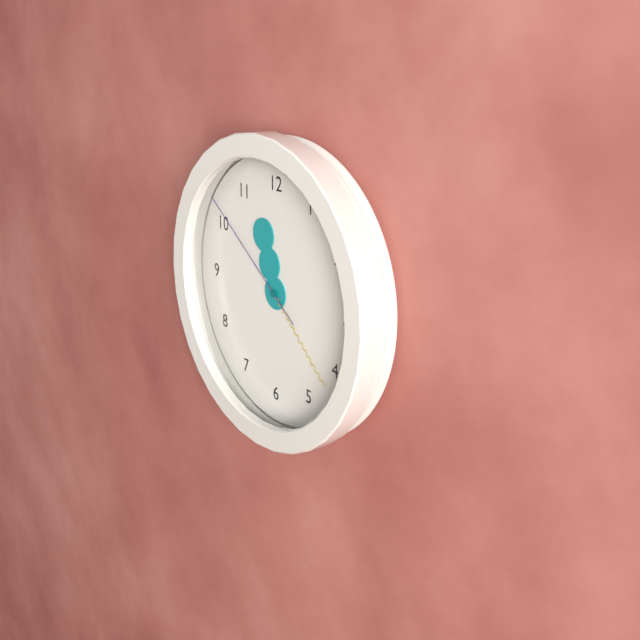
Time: {"hour": 11, "minute": 22, "second": 51}
